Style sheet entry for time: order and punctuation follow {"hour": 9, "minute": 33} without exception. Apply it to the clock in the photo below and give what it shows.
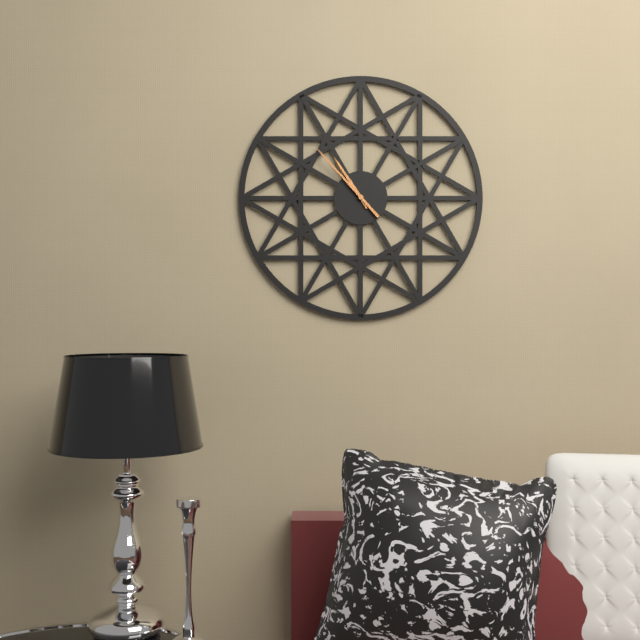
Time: {"hour": 10, "minute": 53}
